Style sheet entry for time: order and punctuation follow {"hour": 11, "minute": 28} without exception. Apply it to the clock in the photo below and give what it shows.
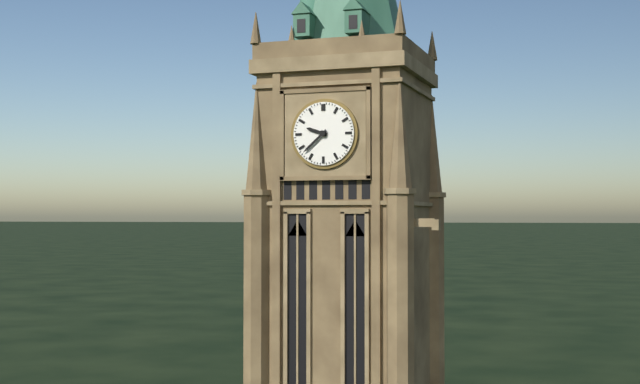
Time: {"hour": 9, "minute": 38}
